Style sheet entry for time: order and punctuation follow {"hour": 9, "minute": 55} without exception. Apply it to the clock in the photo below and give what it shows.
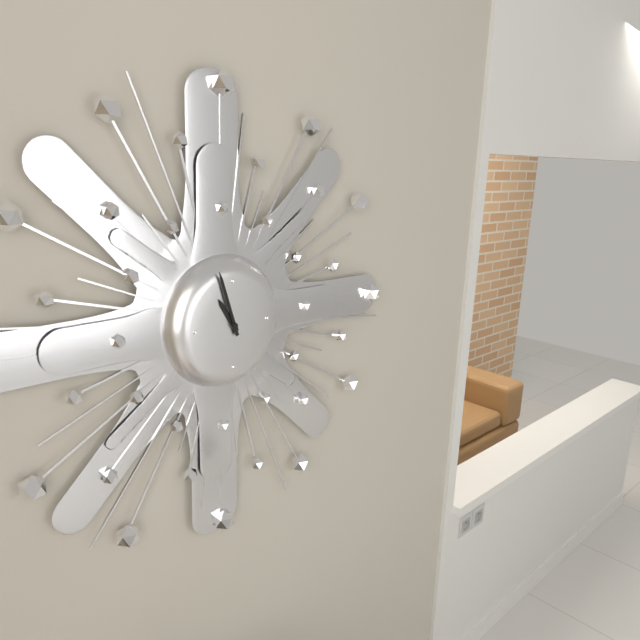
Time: {"hour": 10, "minute": 57}
